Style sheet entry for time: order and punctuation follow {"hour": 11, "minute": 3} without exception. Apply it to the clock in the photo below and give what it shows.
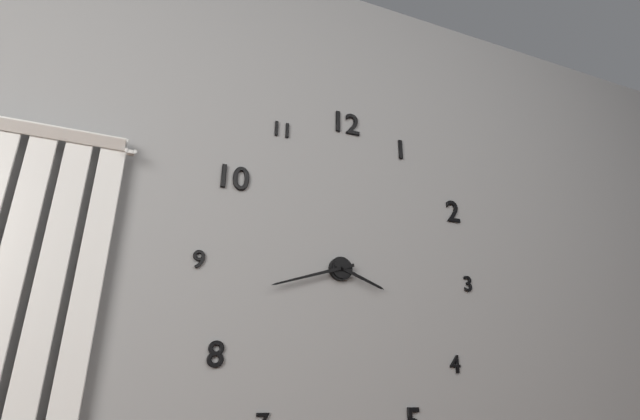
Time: {"hour": 3, "minute": 42}
